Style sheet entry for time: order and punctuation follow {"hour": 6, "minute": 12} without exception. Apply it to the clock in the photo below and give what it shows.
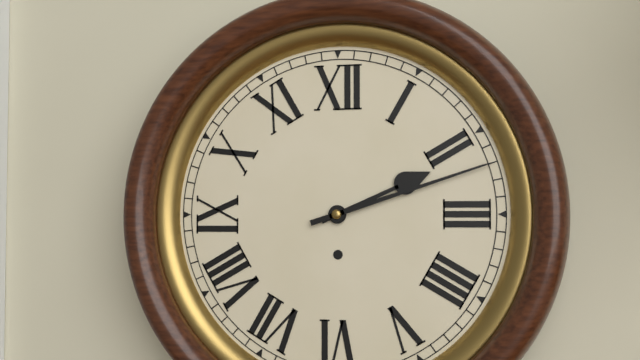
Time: {"hour": 2, "minute": 12}
